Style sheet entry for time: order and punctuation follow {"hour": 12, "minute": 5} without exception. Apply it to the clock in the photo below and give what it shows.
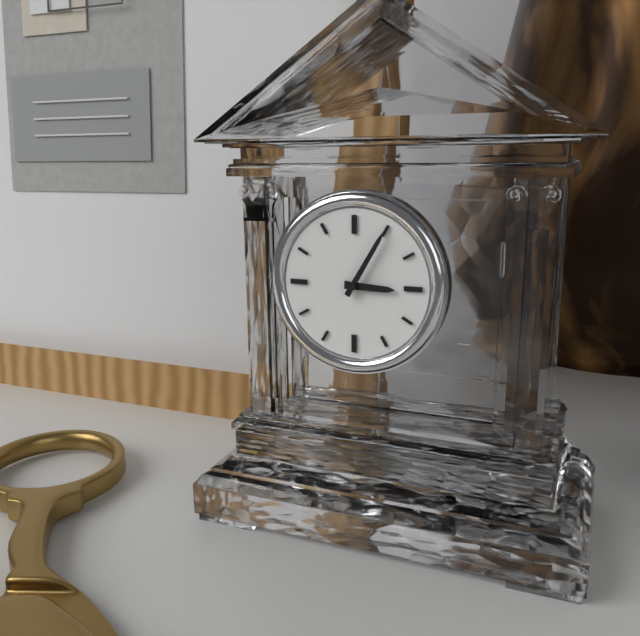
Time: {"hour": 3, "minute": 5}
